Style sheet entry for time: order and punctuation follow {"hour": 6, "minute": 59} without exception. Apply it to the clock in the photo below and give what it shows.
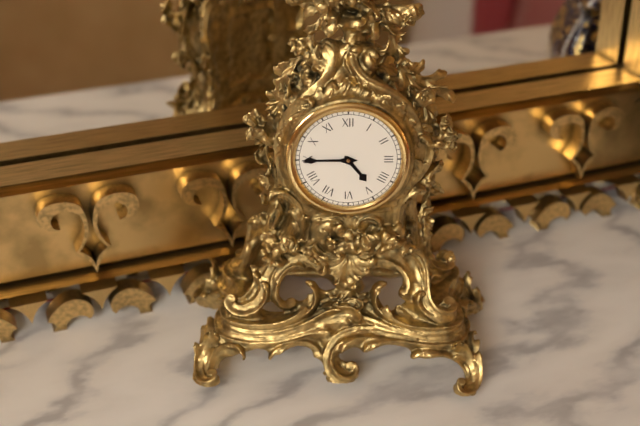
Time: {"hour": 4, "minute": 45}
